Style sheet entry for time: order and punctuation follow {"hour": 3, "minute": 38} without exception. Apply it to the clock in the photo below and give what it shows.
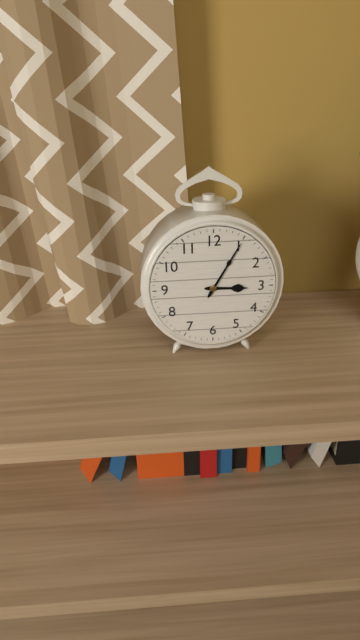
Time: {"hour": 3, "minute": 5}
